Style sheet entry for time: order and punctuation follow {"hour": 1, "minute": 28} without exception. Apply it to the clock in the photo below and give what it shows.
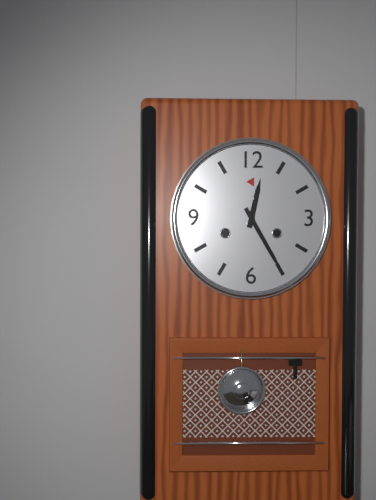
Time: {"hour": 12, "minute": 25}
